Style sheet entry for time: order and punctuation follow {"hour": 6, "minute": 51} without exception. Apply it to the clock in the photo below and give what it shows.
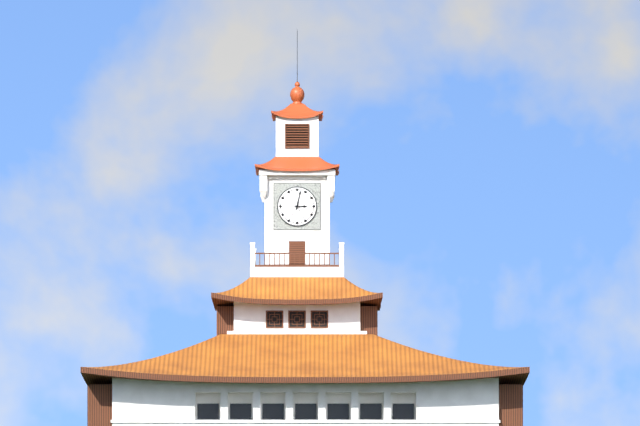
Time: {"hour": 3, "minute": 2}
